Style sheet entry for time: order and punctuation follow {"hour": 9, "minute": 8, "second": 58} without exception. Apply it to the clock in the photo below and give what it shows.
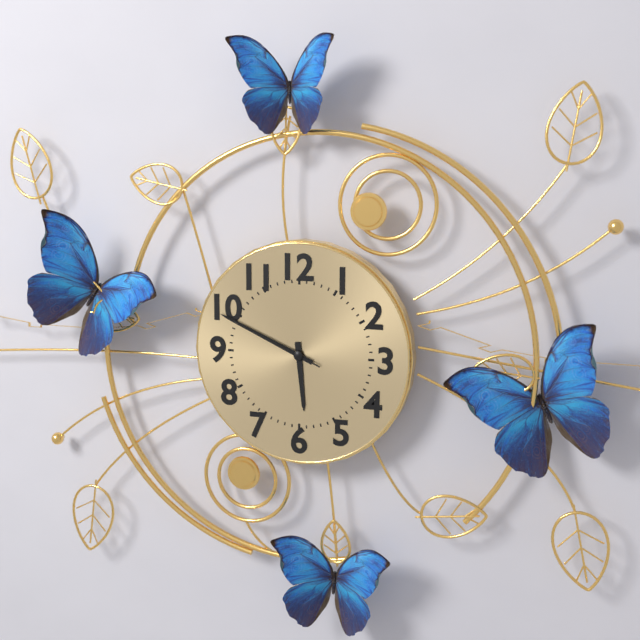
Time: {"hour": 5, "minute": 49, "second": 49}
